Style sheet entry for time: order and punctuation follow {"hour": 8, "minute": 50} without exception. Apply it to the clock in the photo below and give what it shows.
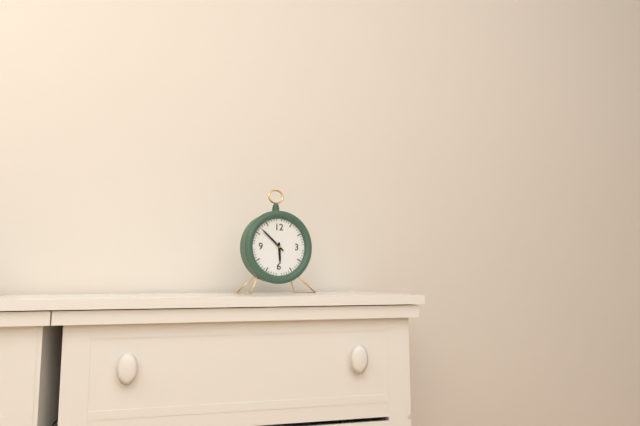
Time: {"hour": 5, "minute": 52}
